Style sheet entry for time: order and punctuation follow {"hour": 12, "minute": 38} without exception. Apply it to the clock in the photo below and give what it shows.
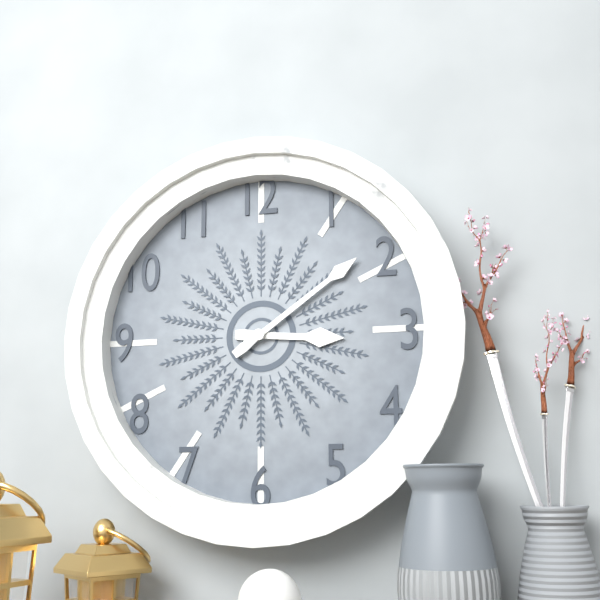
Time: {"hour": 3, "minute": 9}
